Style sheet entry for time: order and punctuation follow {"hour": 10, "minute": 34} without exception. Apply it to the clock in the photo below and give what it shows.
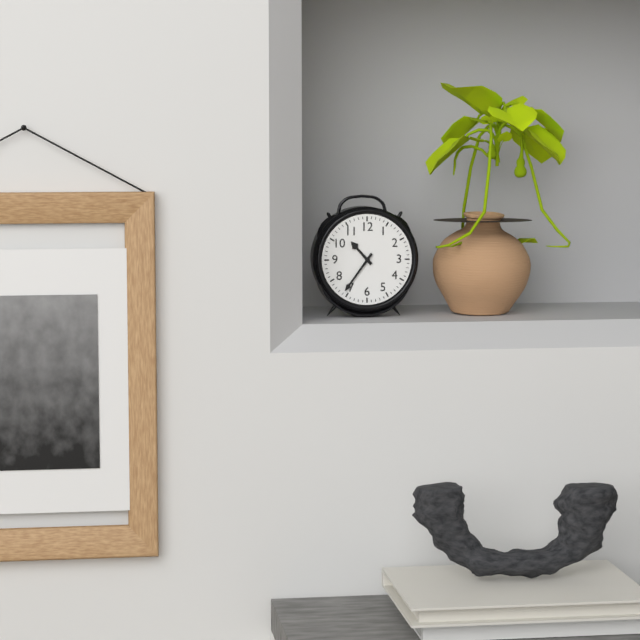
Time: {"hour": 10, "minute": 36}
